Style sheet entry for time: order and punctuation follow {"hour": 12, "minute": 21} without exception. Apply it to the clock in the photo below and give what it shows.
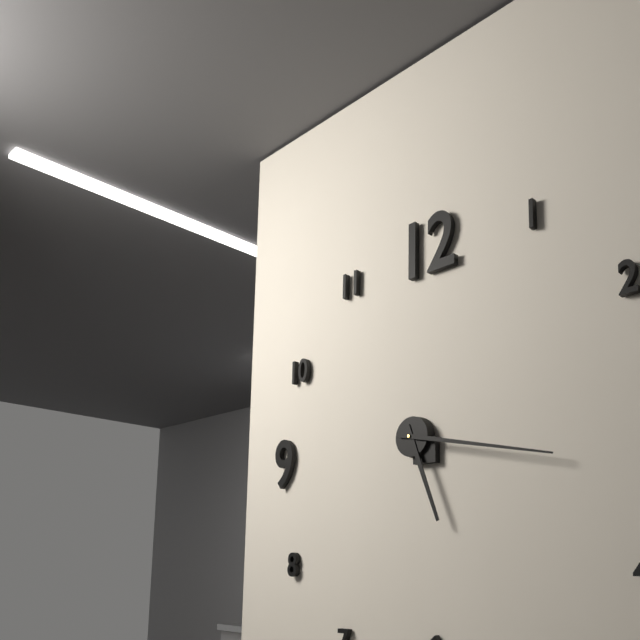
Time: {"hour": 5, "minute": 17}
